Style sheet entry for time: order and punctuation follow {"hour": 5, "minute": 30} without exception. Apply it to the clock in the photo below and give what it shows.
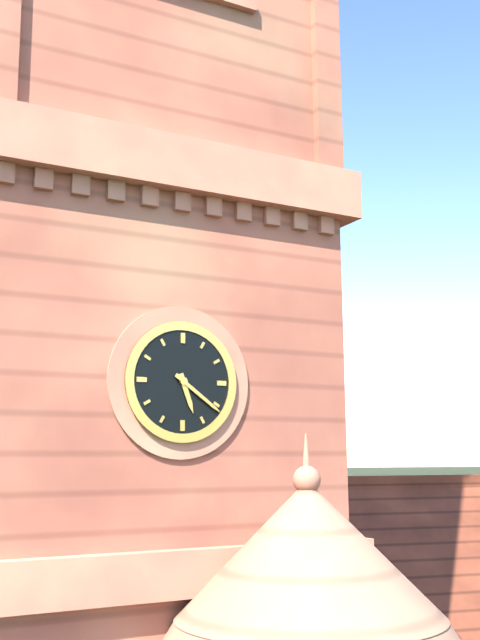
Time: {"hour": 5, "minute": 21}
